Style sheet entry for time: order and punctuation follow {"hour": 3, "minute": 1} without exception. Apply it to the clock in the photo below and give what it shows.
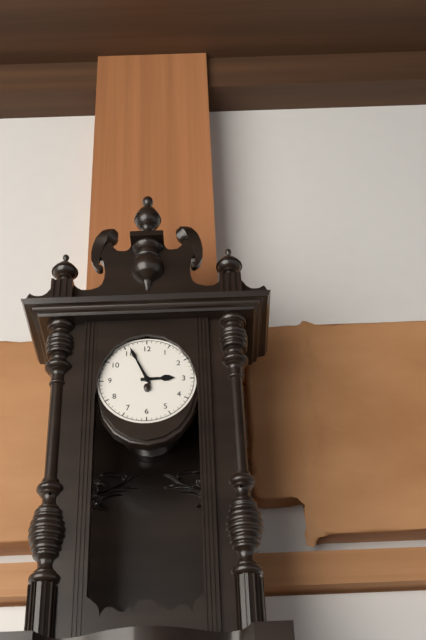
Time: {"hour": 2, "minute": 56}
